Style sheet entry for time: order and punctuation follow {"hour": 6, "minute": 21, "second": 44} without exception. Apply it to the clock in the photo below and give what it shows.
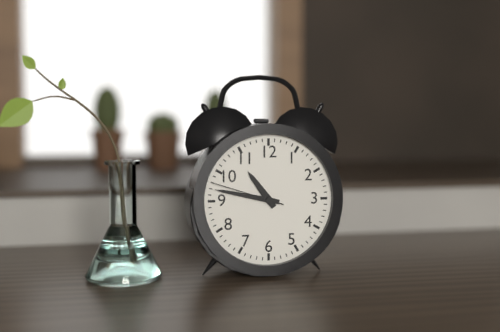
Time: {"hour": 10, "minute": 47, "second": 48}
